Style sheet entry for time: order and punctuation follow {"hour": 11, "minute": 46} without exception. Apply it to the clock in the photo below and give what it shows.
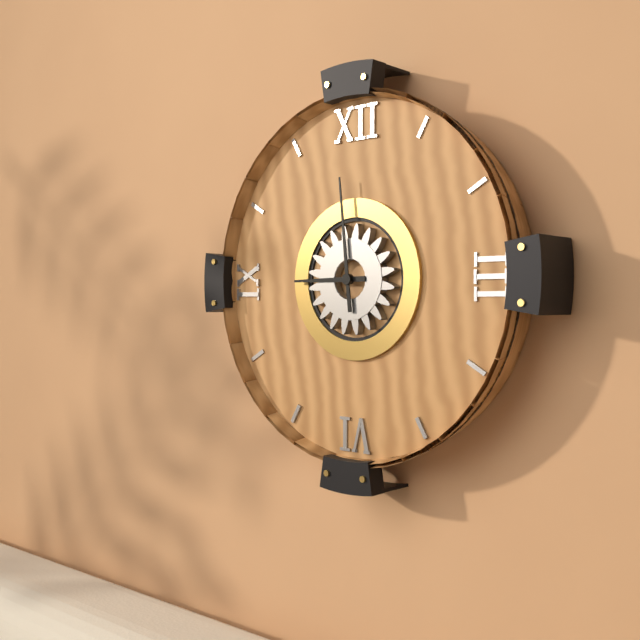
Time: {"hour": 8, "minute": 59}
